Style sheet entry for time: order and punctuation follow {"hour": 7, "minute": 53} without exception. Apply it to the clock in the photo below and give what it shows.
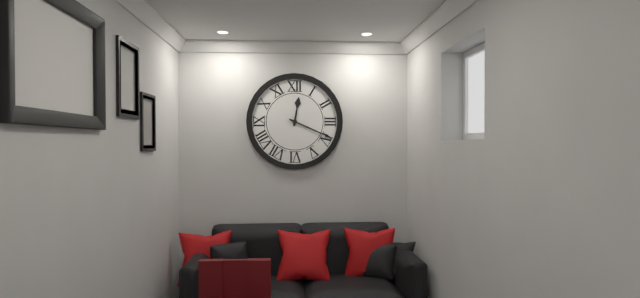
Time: {"hour": 12, "minute": 19}
